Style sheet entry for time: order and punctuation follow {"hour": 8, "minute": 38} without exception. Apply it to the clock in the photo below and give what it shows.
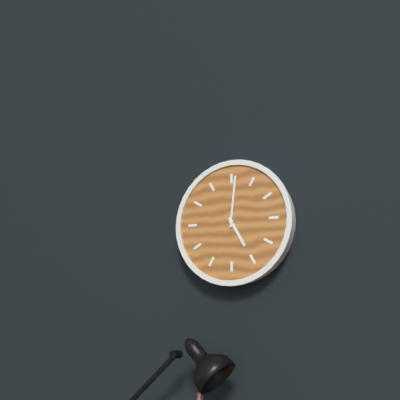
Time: {"hour": 5, "minute": 1}
